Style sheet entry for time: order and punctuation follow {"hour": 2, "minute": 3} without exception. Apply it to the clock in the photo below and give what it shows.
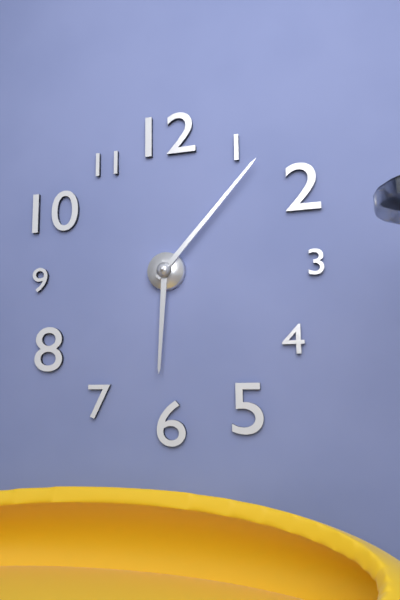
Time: {"hour": 6, "minute": 7}
